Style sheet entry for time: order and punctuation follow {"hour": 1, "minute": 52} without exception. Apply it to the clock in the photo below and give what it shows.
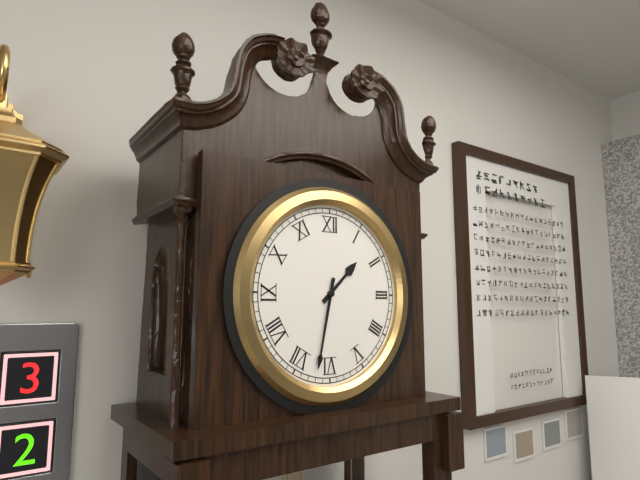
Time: {"hour": 1, "minute": 32}
